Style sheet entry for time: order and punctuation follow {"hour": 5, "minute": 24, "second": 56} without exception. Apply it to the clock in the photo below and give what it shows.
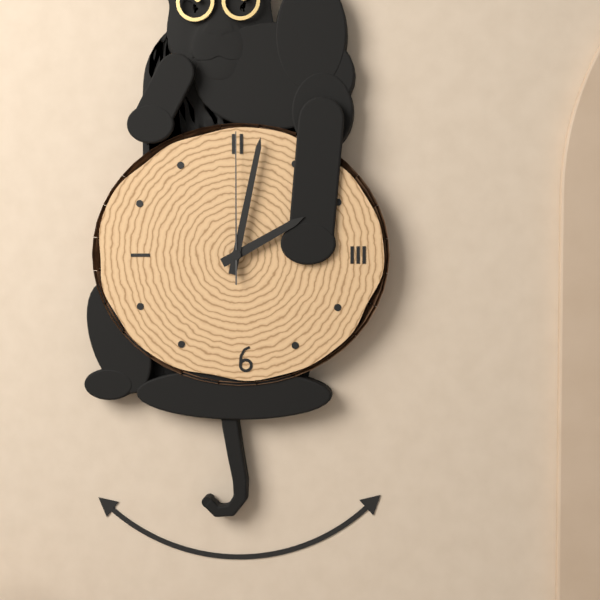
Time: {"hour": 2, "minute": 2, "second": 0}
